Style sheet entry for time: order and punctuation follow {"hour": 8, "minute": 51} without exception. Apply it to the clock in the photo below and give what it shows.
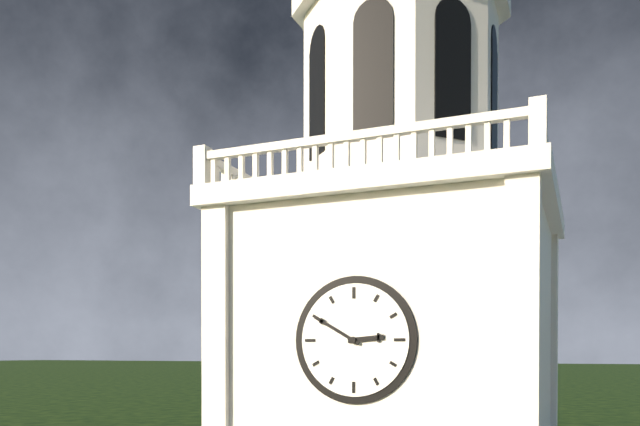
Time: {"hour": 2, "minute": 50}
